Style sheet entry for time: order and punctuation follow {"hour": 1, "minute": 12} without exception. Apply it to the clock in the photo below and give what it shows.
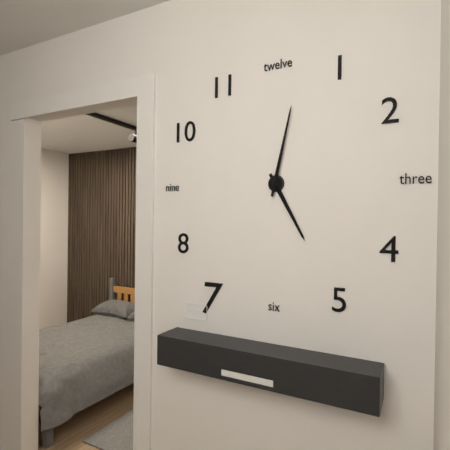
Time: {"hour": 5, "minute": 2}
